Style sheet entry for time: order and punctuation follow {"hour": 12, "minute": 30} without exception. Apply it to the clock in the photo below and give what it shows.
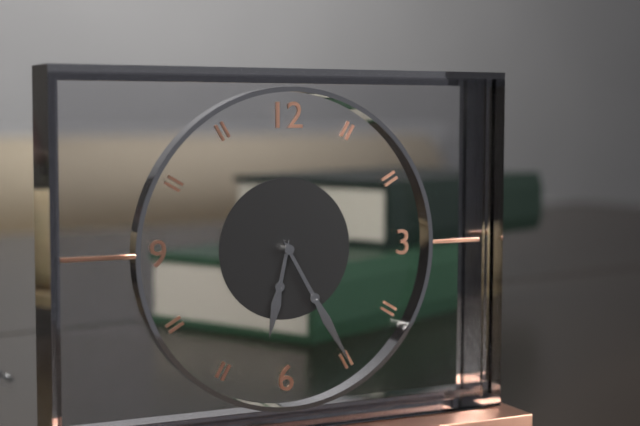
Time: {"hour": 6, "minute": 25}
